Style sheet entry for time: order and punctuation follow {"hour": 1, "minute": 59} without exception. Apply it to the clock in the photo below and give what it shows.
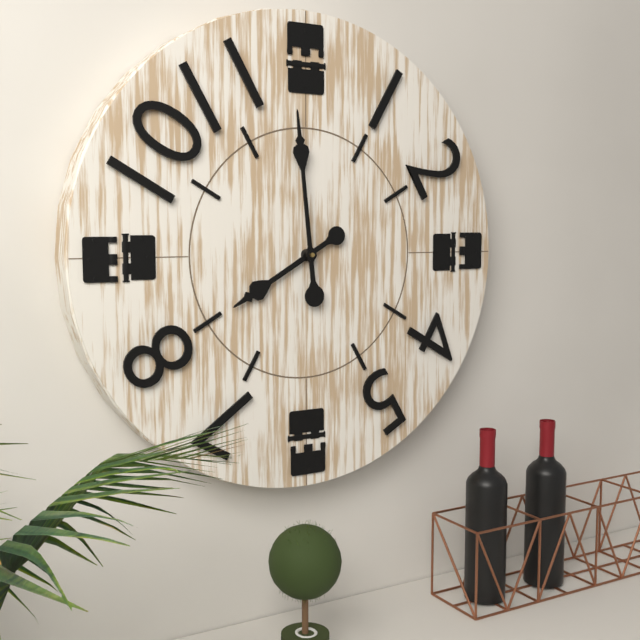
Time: {"hour": 7, "minute": 59}
